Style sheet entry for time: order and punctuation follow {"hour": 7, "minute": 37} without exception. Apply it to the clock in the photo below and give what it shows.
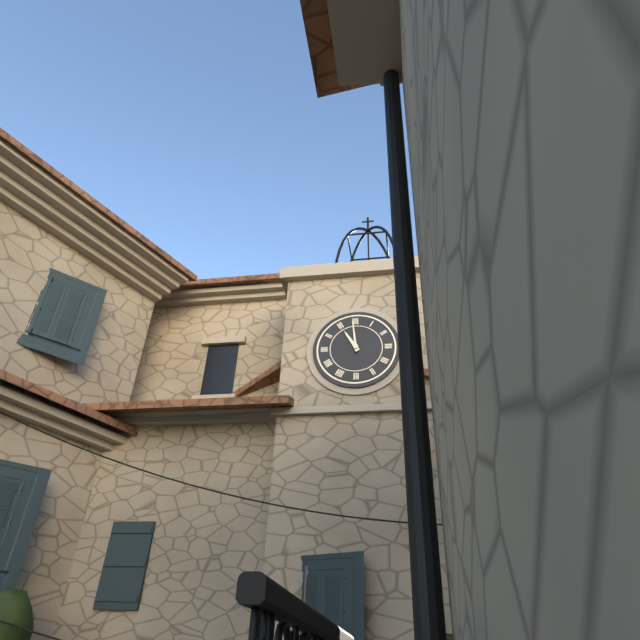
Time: {"hour": 10, "minute": 59}
